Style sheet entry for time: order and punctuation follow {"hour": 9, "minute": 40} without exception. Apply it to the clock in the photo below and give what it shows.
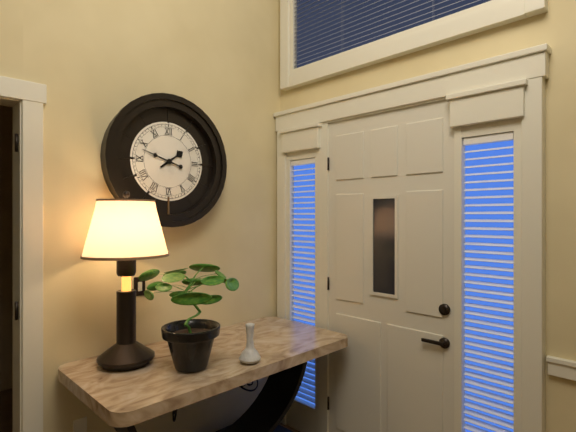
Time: {"hour": 1, "minute": 48}
